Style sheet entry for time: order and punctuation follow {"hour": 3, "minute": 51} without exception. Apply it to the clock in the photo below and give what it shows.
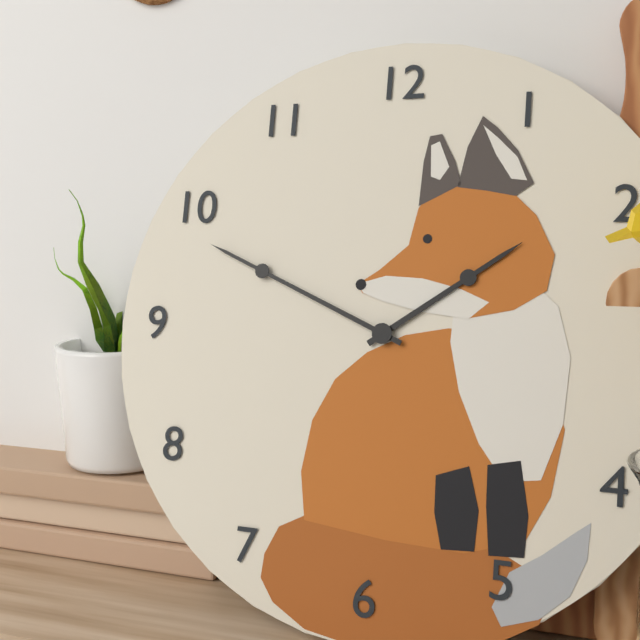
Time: {"hour": 1, "minute": 49}
